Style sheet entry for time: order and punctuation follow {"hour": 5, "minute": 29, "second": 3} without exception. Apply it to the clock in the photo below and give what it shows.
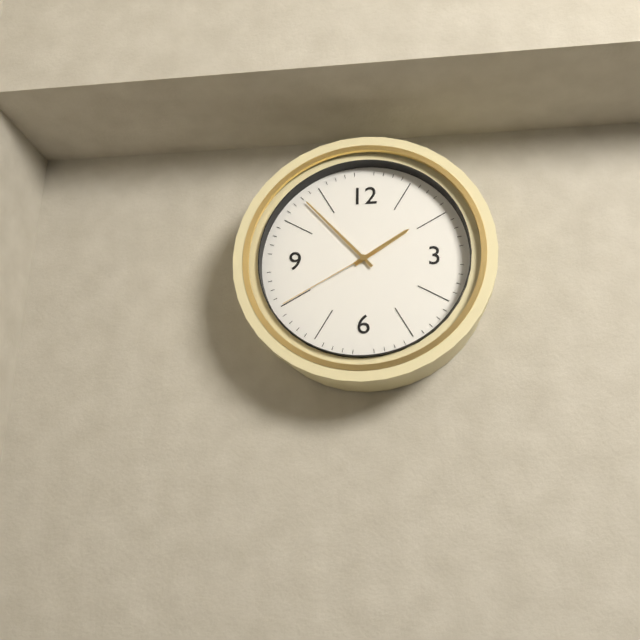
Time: {"hour": 1, "minute": 53, "second": 40}
